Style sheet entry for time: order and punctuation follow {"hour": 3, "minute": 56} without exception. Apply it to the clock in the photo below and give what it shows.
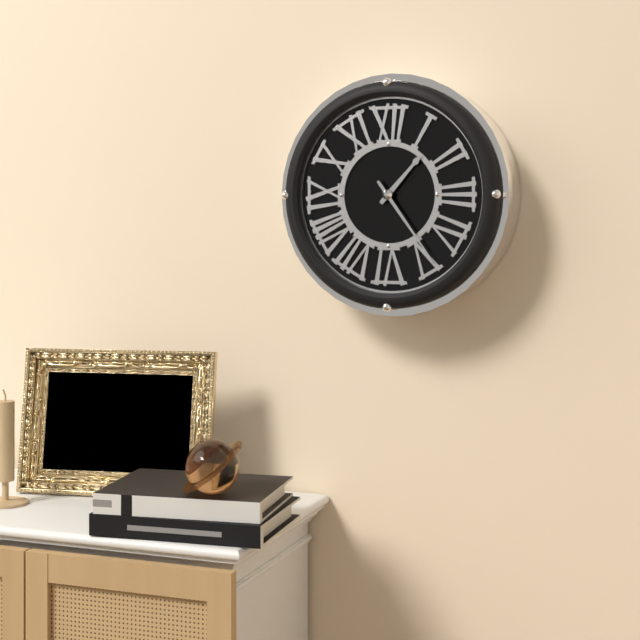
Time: {"hour": 1, "minute": 24}
